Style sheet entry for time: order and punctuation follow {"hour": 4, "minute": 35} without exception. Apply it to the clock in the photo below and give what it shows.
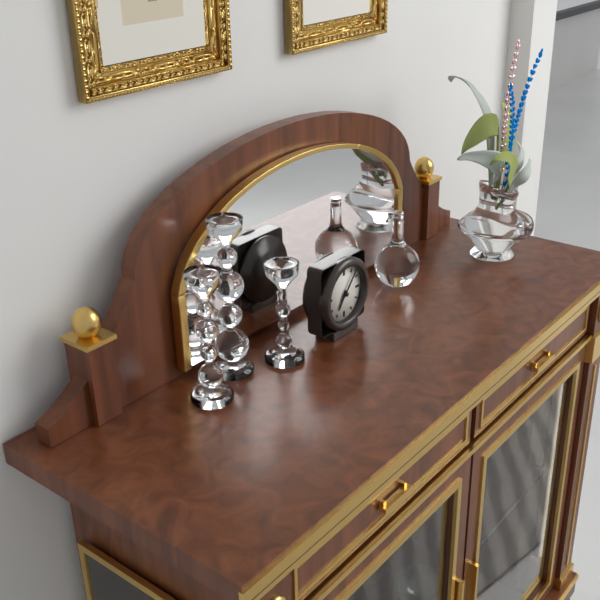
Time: {"hour": 7, "minute": 7}
